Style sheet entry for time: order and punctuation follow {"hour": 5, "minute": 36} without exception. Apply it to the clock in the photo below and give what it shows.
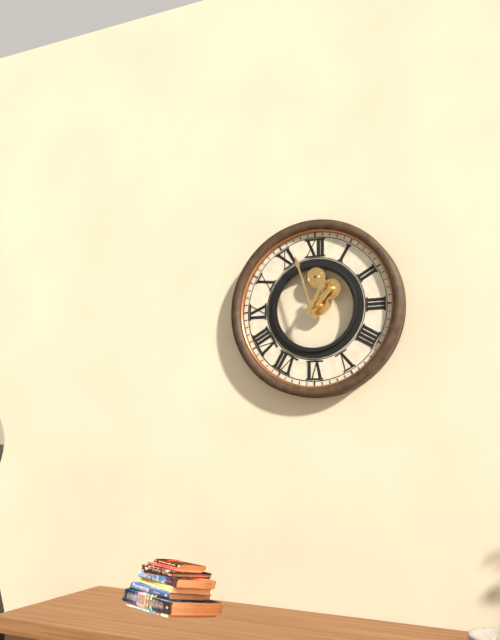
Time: {"hour": 12, "minute": 57}
